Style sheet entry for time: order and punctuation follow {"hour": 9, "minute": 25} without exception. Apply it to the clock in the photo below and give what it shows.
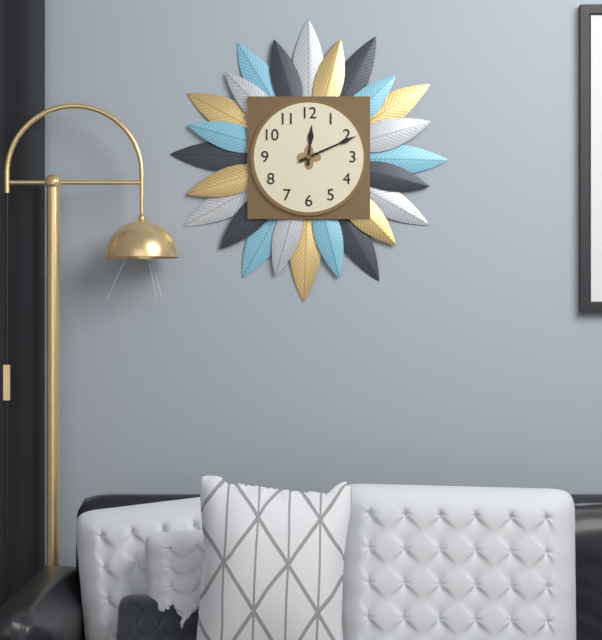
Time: {"hour": 12, "minute": 11}
